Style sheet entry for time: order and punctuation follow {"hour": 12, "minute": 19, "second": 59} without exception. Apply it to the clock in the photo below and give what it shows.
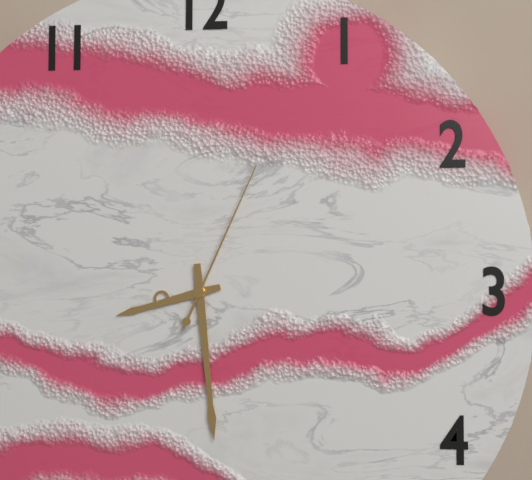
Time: {"hour": 8, "minute": 29, "second": 4}
